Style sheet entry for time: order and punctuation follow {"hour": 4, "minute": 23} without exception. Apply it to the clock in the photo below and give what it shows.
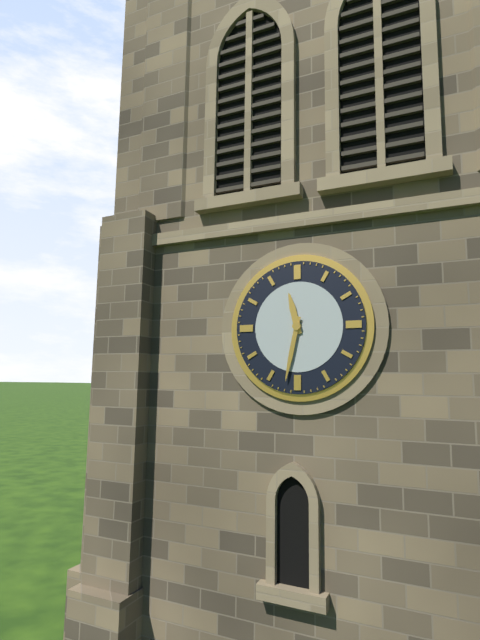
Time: {"hour": 11, "minute": 32}
